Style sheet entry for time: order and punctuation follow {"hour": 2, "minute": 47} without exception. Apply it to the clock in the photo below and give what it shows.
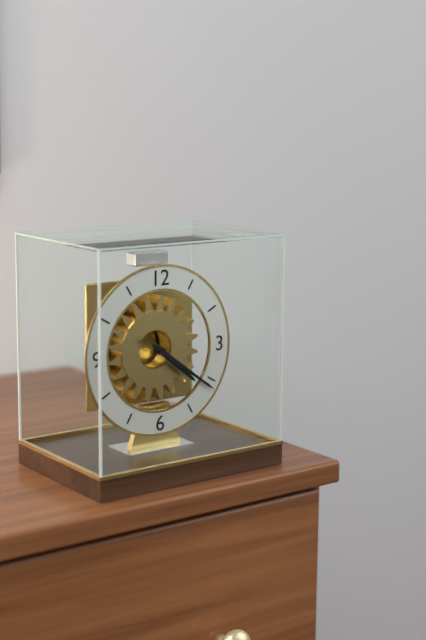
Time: {"hour": 4, "minute": 21}
